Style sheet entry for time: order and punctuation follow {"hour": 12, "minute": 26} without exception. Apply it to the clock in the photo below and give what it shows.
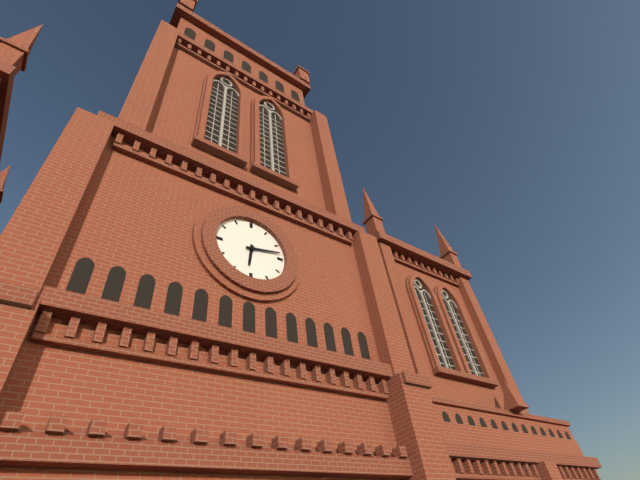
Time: {"hour": 6, "minute": 13}
